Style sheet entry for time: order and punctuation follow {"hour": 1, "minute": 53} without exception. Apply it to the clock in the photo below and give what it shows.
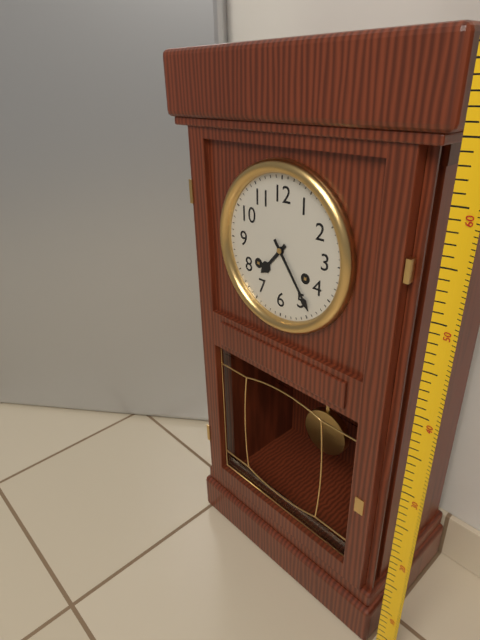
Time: {"hour": 7, "minute": 24}
